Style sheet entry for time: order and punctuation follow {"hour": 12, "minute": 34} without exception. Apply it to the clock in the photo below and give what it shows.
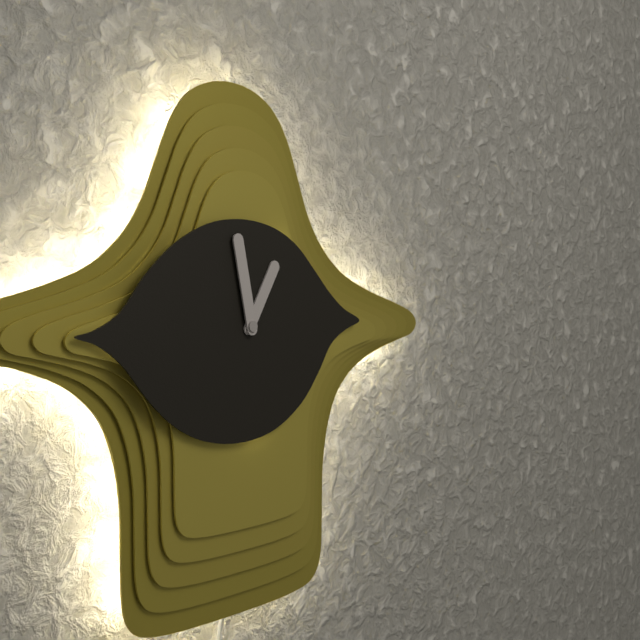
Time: {"hour": 12, "minute": 58}
